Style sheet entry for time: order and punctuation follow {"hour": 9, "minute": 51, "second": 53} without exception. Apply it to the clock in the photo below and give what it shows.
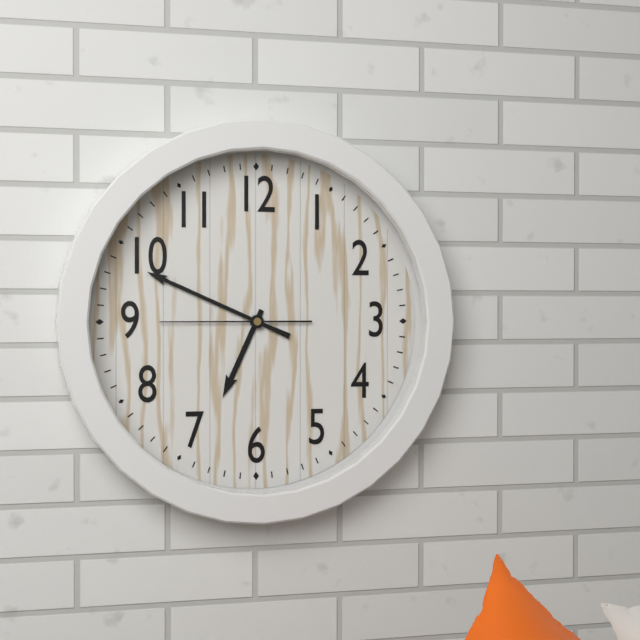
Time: {"hour": 6, "minute": 49, "second": 45}
